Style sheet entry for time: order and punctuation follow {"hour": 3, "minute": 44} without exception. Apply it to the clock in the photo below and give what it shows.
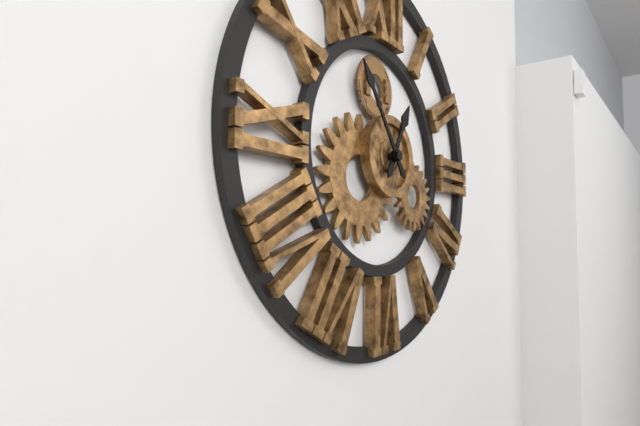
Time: {"hour": 12, "minute": 54}
